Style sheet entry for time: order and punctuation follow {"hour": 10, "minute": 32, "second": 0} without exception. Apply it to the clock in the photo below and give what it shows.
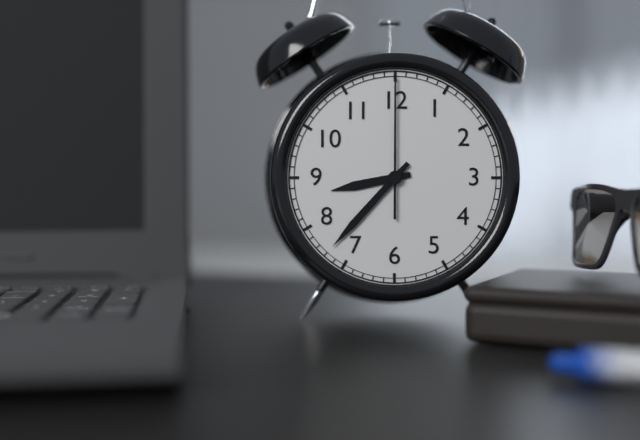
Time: {"hour": 8, "minute": 37, "second": 0}
